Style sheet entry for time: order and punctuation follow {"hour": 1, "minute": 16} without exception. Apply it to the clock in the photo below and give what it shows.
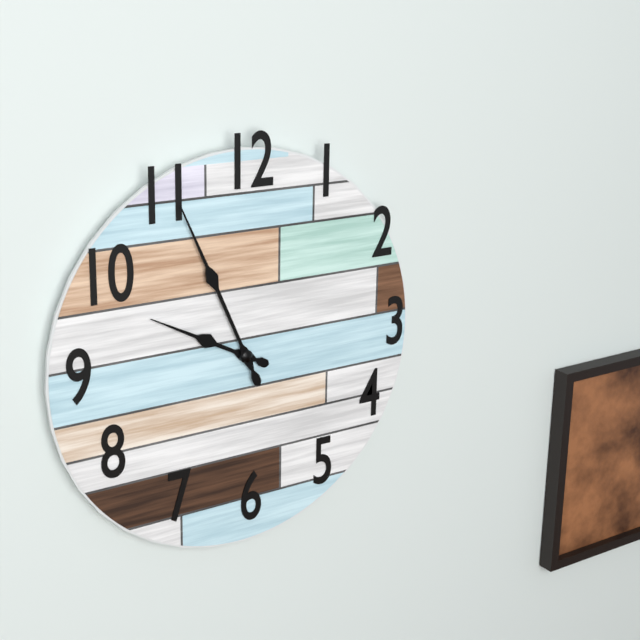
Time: {"hour": 9, "minute": 56}
